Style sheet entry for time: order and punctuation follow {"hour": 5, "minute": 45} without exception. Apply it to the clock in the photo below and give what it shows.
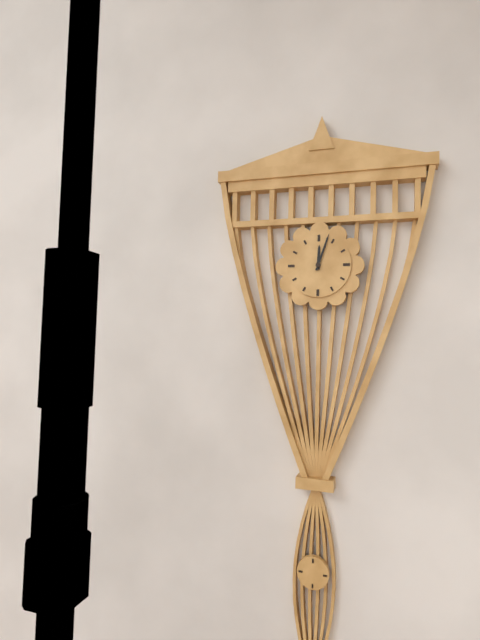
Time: {"hour": 12, "minute": 3}
